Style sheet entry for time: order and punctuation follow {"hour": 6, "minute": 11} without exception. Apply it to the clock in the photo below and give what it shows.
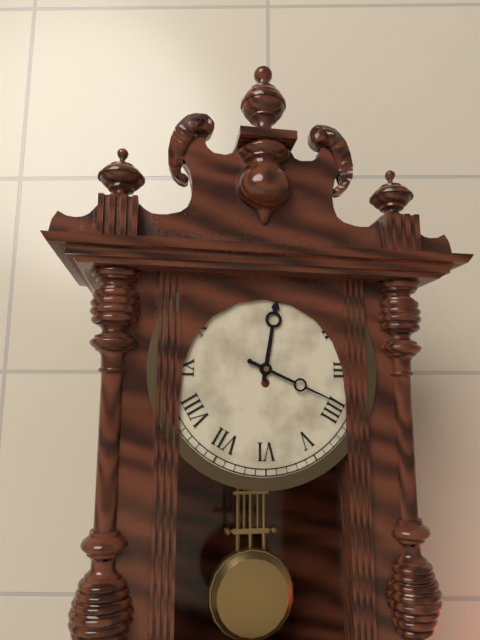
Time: {"hour": 12, "minute": 19}
